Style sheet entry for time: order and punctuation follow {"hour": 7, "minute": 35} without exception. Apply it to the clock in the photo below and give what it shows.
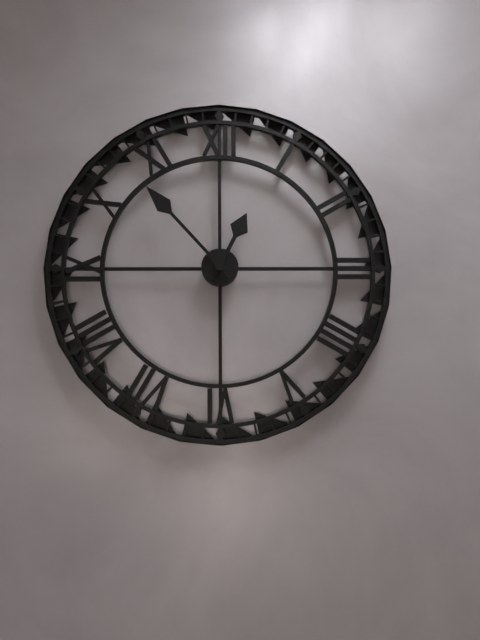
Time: {"hour": 12, "minute": 53}
